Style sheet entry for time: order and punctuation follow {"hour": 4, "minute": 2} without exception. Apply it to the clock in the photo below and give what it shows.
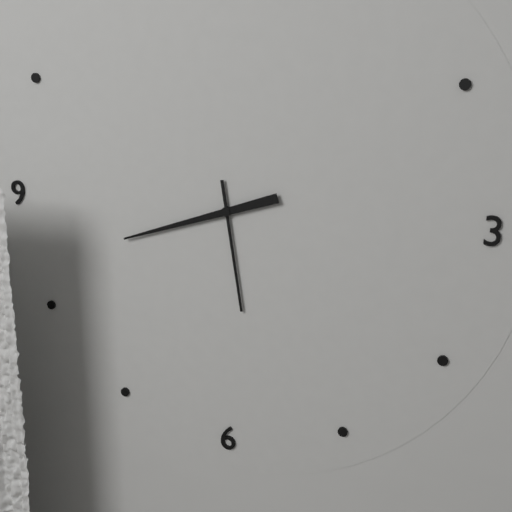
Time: {"hour": 5, "minute": 42}
